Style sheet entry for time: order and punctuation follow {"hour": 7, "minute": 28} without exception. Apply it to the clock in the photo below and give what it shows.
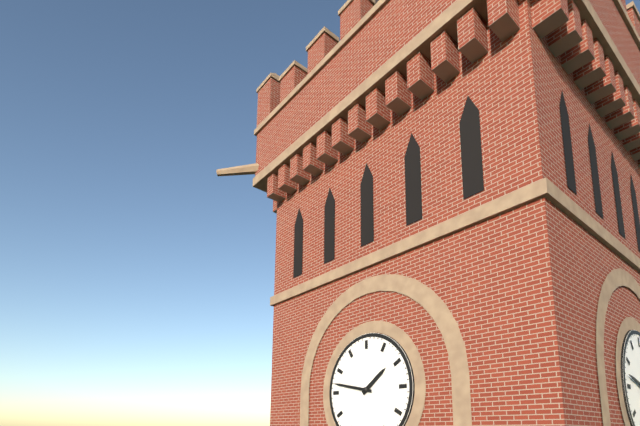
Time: {"hour": 1, "minute": 47}
